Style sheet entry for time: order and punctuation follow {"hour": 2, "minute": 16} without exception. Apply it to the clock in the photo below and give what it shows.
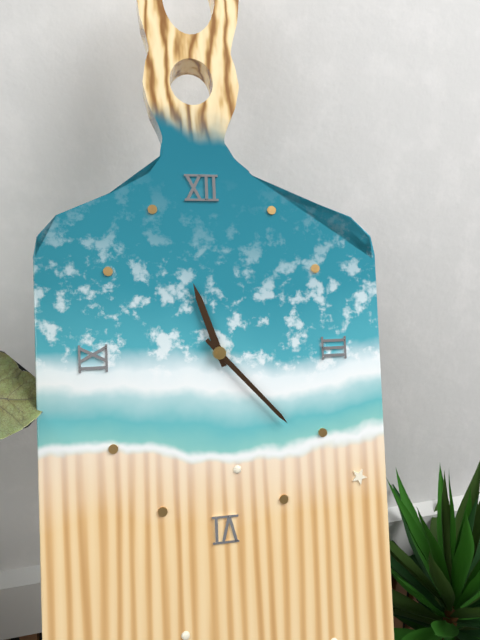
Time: {"hour": 11, "minute": 23}
